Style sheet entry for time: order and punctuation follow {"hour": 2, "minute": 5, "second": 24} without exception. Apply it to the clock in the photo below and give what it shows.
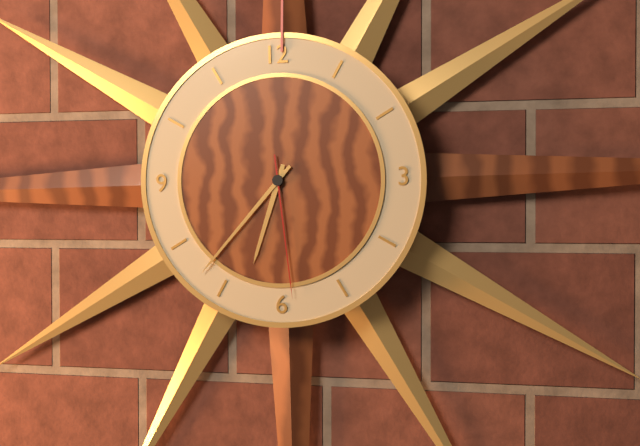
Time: {"hour": 6, "minute": 37, "second": 29}
